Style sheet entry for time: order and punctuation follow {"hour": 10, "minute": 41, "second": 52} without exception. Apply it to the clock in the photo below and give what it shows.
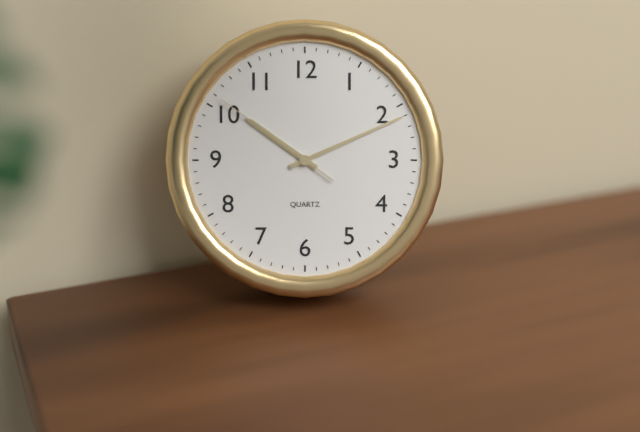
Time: {"hour": 10, "minute": 11, "second": 51}
